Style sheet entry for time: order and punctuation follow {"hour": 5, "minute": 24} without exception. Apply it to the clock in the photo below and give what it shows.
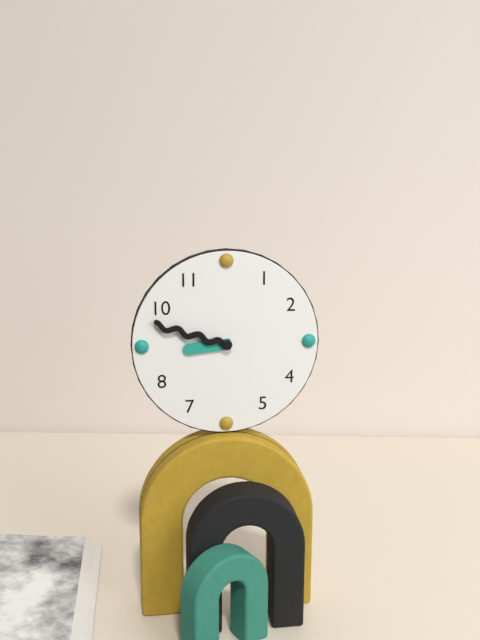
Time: {"hour": 8, "minute": 48}
